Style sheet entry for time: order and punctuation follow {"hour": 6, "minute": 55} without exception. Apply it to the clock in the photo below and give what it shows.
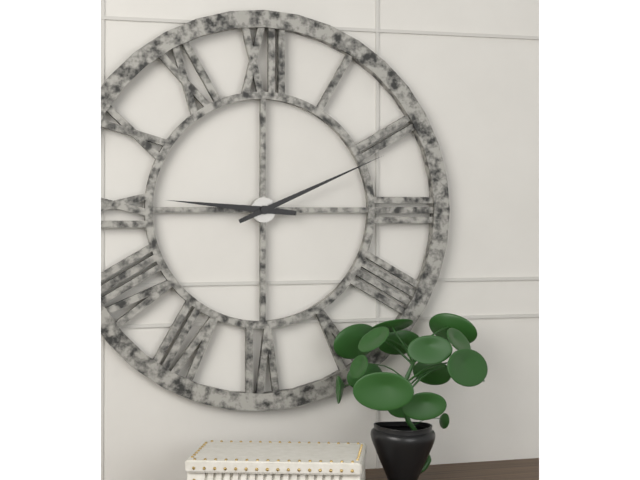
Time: {"hour": 9, "minute": 11}
